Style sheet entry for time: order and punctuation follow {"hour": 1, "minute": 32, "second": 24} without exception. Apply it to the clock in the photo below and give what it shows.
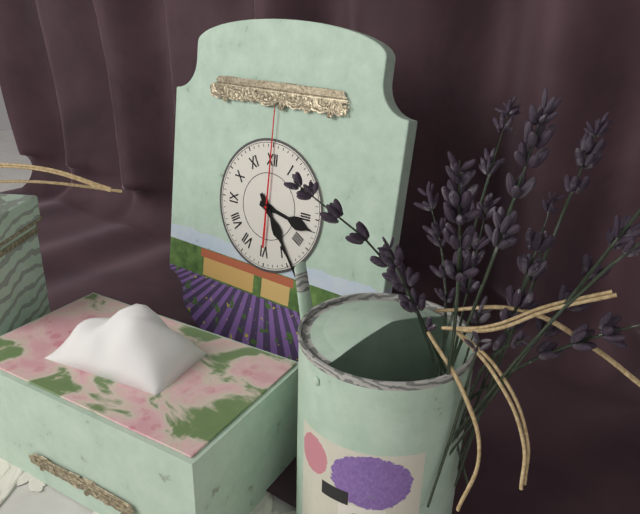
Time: {"hour": 3, "minute": 24, "second": 0}
